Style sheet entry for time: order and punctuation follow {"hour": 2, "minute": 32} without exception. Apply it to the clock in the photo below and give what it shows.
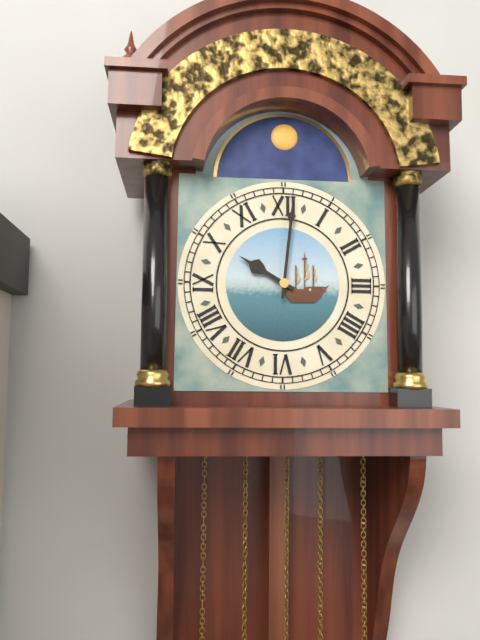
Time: {"hour": 10, "minute": 1}
